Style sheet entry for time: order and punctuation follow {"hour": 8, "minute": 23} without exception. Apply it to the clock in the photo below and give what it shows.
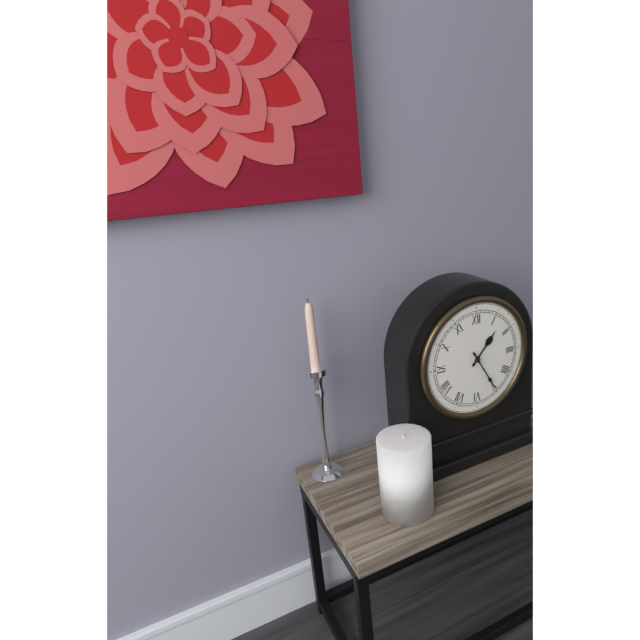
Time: {"hour": 1, "minute": 25}
